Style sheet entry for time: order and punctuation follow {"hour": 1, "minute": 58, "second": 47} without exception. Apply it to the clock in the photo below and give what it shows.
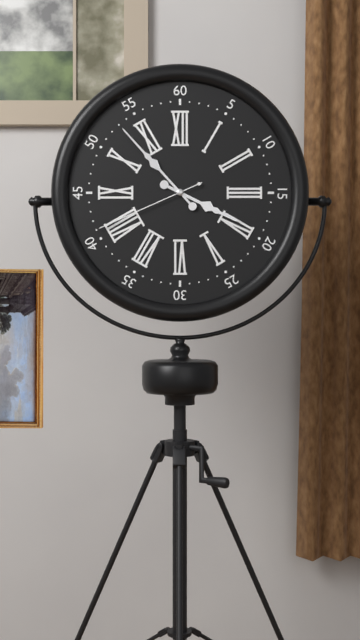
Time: {"hour": 3, "minute": 53, "second": 41}
